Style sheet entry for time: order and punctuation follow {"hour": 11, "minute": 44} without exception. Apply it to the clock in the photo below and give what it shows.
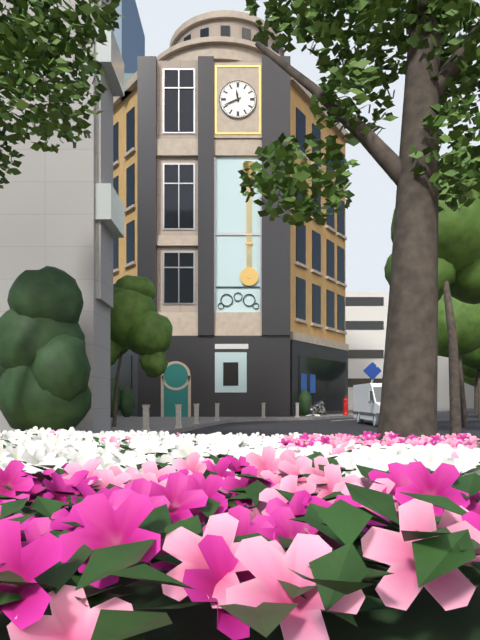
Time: {"hour": 11, "minute": 41}
